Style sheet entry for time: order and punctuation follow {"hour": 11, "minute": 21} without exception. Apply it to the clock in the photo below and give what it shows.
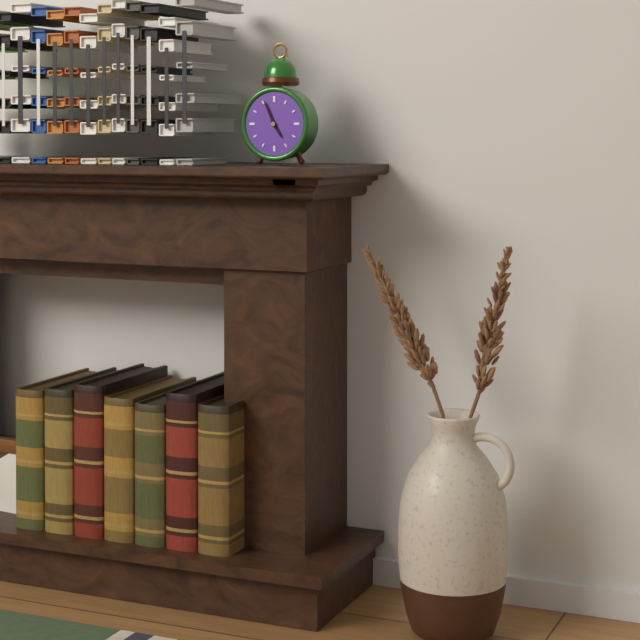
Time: {"hour": 4, "minute": 56}
